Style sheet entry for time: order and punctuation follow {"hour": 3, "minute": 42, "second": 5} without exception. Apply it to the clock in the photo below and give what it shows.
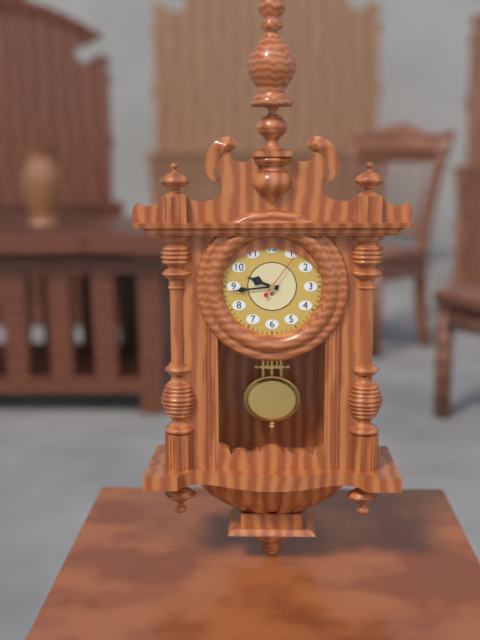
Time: {"hour": 9, "minute": 44, "second": 6}
